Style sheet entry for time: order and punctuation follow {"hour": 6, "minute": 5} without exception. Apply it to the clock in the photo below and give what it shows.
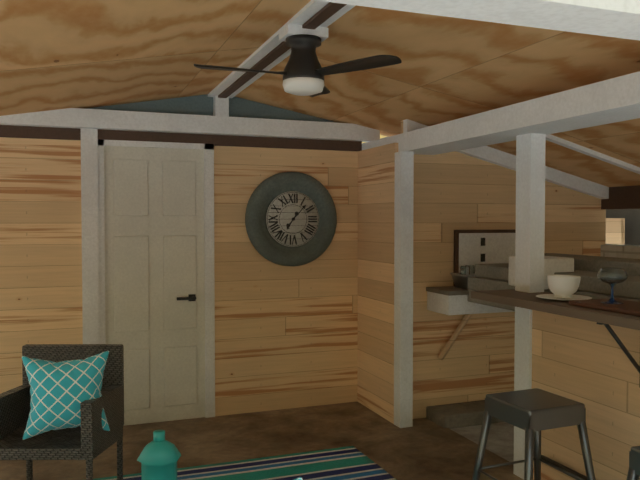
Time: {"hour": 7, "minute": 7}
